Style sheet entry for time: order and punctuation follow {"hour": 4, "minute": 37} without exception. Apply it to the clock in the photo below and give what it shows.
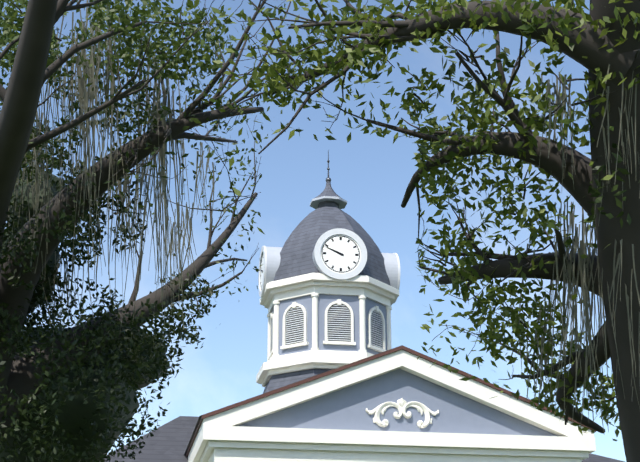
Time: {"hour": 9, "minute": 49}
